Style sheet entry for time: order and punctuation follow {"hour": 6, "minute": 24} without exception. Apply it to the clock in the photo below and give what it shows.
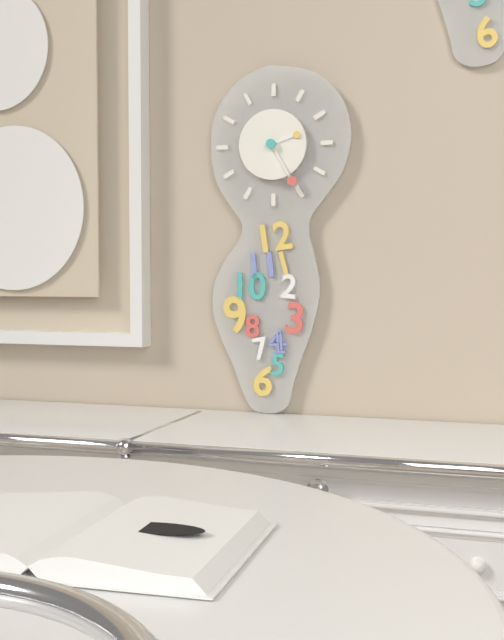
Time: {"hour": 2, "minute": 25}
